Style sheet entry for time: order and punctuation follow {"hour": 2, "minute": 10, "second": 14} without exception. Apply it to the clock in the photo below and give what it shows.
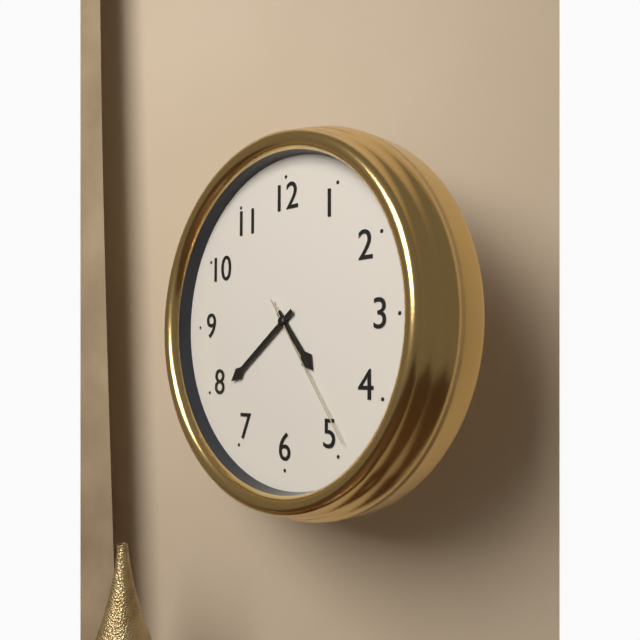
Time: {"hour": 4, "minute": 39, "second": 24}
